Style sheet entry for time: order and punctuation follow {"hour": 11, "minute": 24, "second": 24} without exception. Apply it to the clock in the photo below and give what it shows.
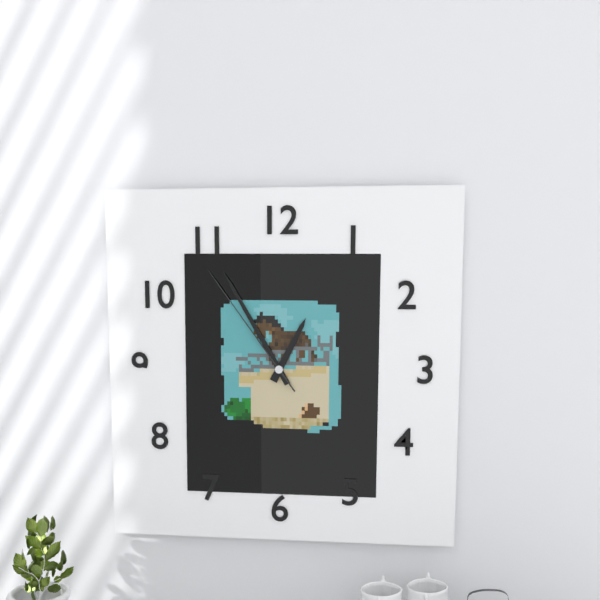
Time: {"hour": 12, "minute": 55, "second": 54}
